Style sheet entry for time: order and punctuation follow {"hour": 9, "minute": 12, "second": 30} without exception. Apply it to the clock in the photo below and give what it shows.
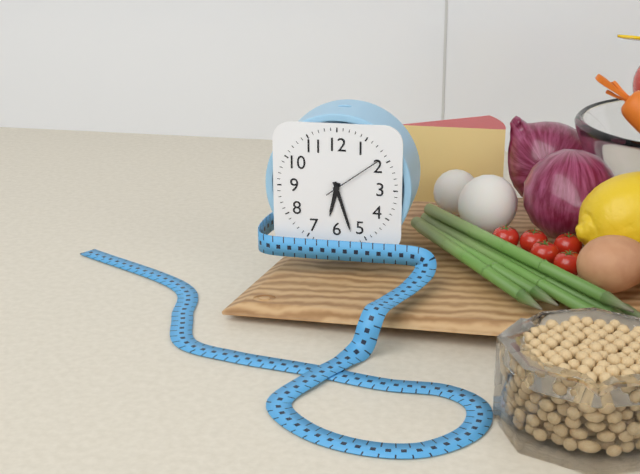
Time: {"hour": 6, "minute": 27, "second": 9}
